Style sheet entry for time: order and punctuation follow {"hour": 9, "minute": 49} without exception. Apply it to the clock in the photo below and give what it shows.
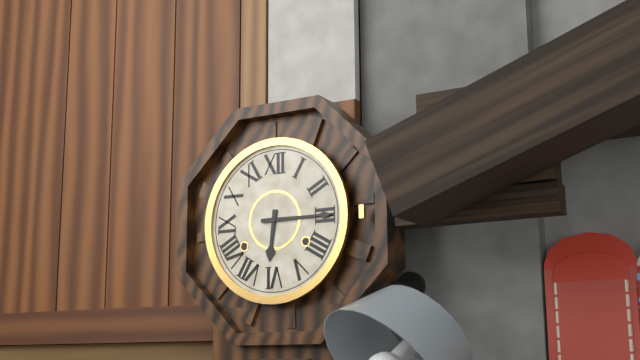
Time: {"hour": 6, "minute": 15}
